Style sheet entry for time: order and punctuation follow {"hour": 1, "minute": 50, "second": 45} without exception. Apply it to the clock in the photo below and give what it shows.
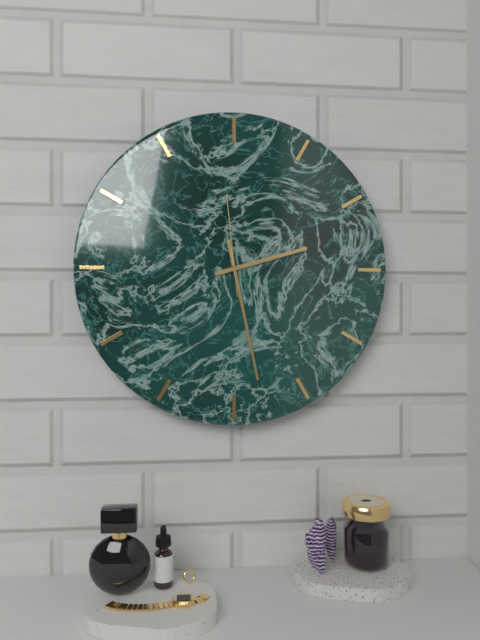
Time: {"hour": 2, "minute": 28, "second": 59}
